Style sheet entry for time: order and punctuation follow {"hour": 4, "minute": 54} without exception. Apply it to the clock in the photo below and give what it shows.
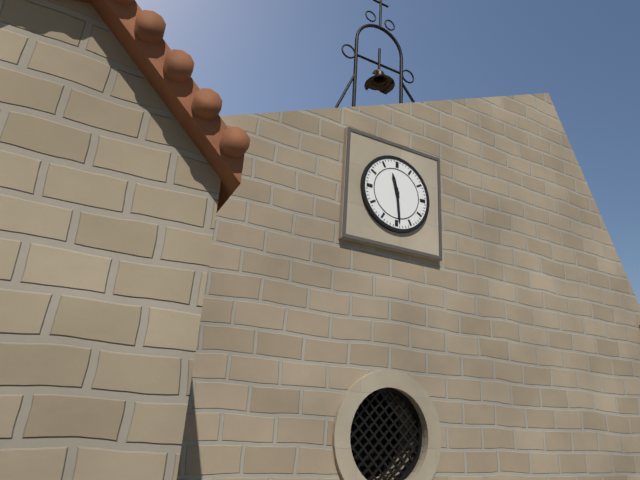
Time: {"hour": 11, "minute": 29}
